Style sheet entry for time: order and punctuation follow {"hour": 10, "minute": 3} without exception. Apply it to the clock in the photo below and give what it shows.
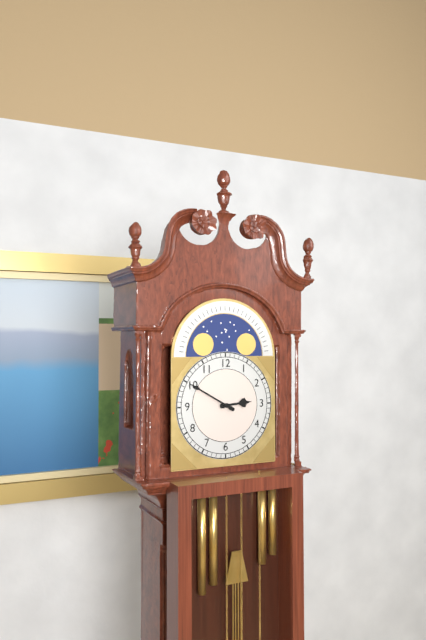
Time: {"hour": 2, "minute": 50}
